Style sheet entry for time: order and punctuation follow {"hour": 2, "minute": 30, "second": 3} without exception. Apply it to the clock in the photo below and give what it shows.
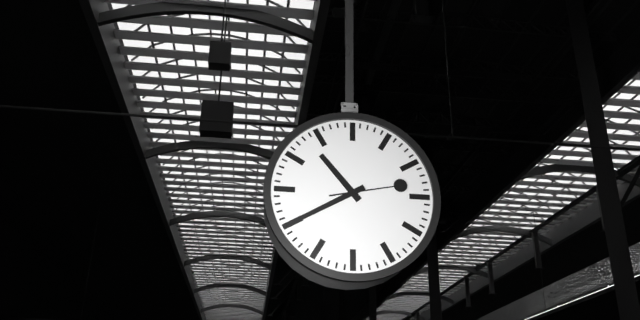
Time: {"hour": 10, "minute": 40, "second": 13}
